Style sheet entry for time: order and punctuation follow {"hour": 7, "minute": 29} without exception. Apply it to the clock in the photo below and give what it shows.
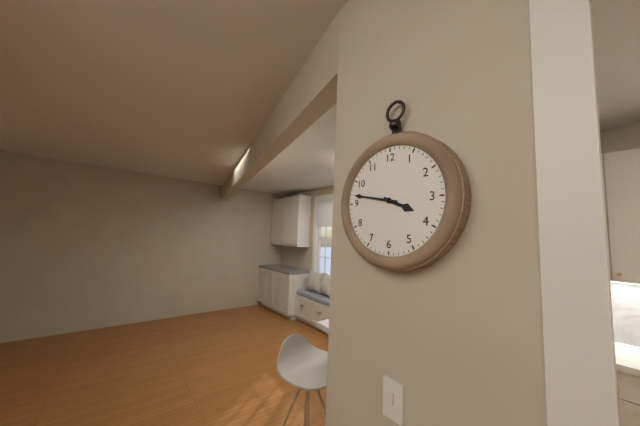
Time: {"hour": 3, "minute": 47}
